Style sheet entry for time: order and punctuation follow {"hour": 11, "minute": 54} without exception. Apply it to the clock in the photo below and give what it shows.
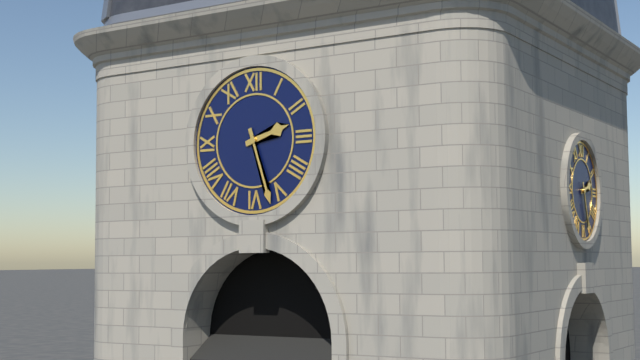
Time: {"hour": 2, "minute": 27}
